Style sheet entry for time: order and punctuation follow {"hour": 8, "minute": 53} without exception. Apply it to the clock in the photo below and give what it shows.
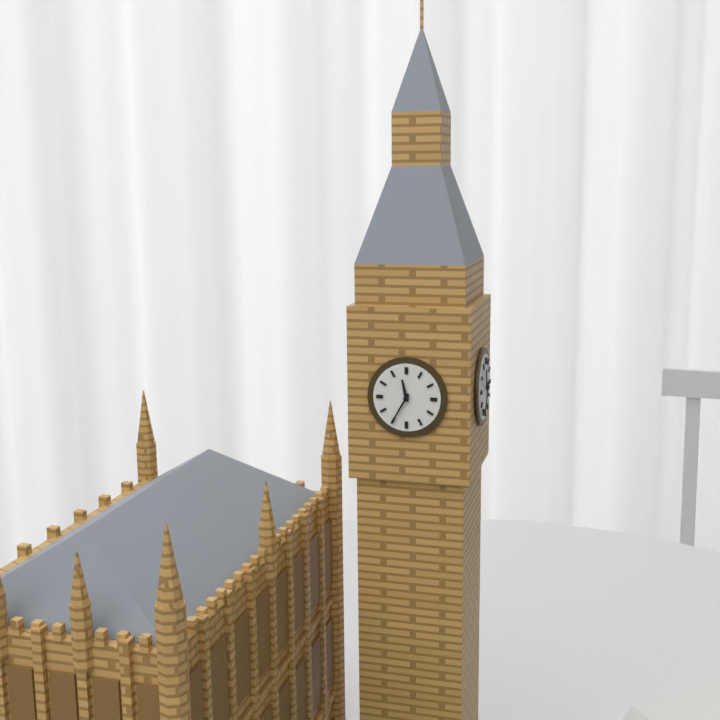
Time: {"hour": 11, "minute": 35}
